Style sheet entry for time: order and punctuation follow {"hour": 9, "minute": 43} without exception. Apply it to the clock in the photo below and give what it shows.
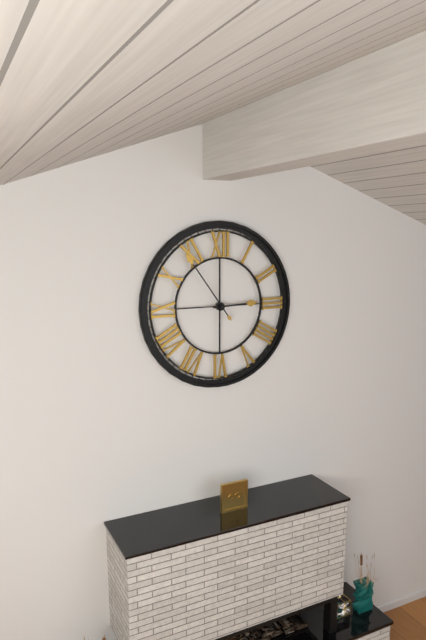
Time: {"hour": 2, "minute": 54}
